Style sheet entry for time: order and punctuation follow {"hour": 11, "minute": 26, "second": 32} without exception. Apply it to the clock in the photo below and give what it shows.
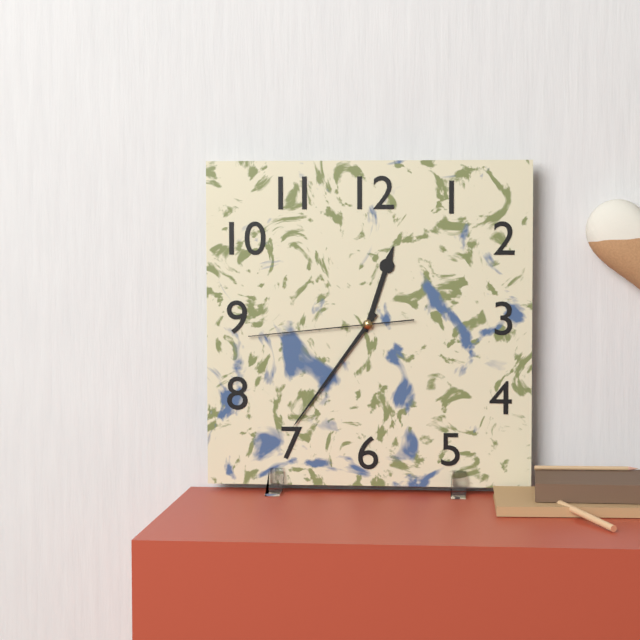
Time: {"hour": 12, "minute": 36, "second": 44}
